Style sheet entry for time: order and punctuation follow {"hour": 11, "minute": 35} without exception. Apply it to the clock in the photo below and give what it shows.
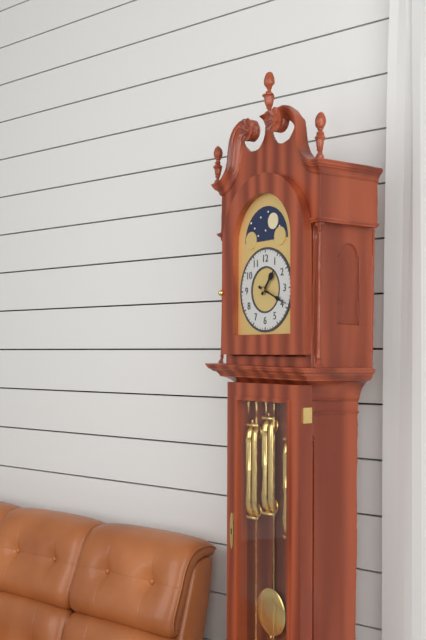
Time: {"hour": 1, "minute": 19}
